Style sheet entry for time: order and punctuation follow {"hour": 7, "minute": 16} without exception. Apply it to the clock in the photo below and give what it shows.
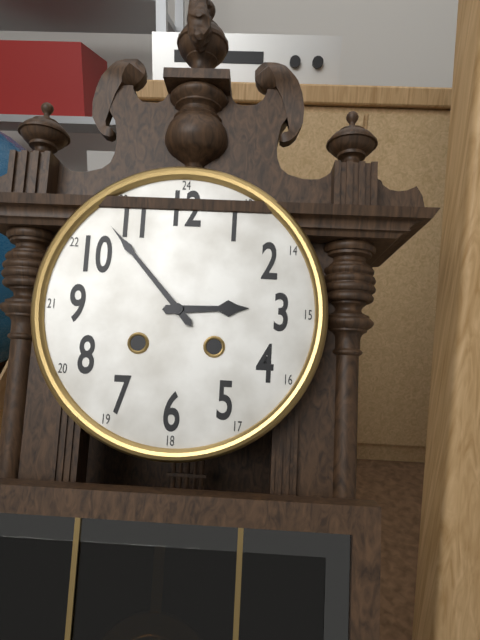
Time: {"hour": 2, "minute": 53}
